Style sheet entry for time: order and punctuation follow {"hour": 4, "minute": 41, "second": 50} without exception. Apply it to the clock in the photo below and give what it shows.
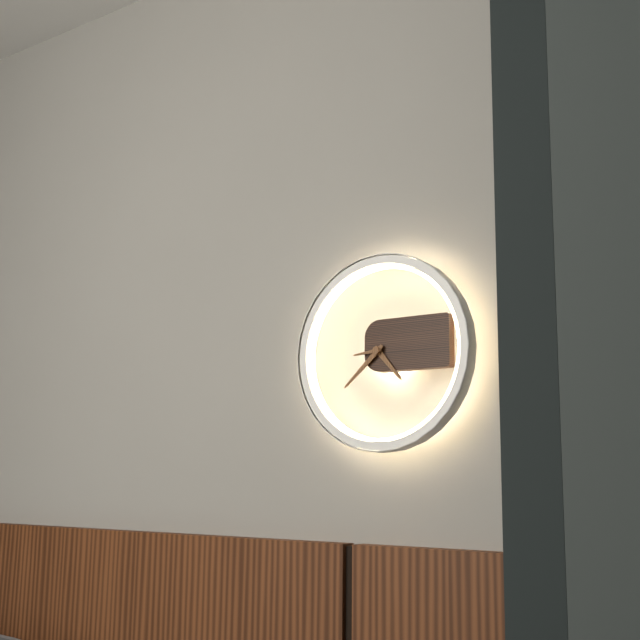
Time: {"hour": 4, "minute": 38, "second": 44}
